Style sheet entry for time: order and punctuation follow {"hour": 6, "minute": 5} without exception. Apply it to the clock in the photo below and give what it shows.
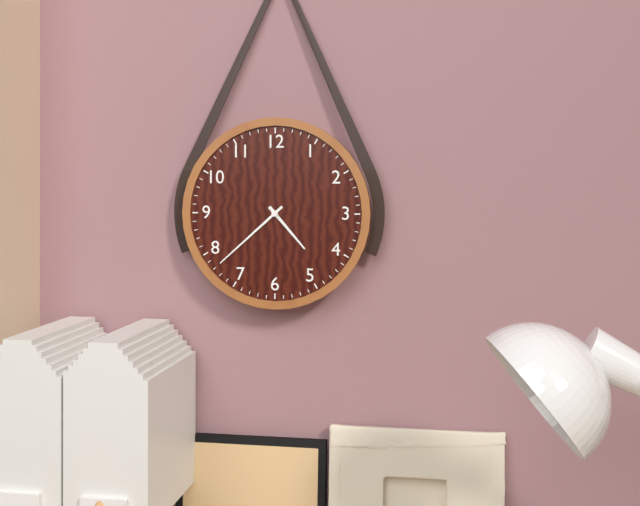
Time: {"hour": 4, "minute": 38}
